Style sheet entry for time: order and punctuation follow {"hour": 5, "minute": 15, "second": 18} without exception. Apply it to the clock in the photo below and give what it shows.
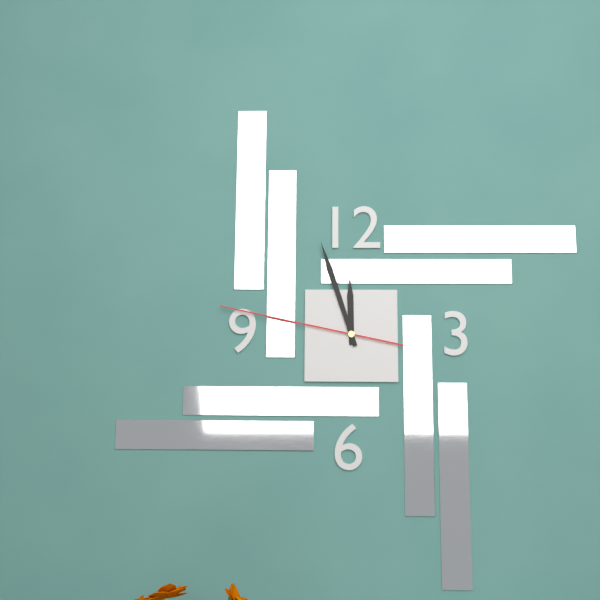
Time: {"hour": 11, "minute": 57, "second": 47}
